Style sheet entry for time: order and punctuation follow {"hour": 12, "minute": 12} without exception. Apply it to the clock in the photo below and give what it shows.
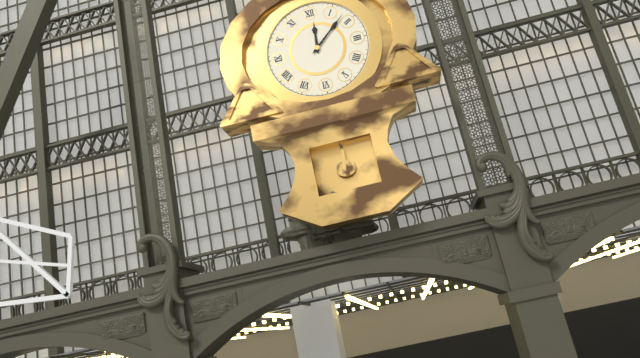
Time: {"hour": 12, "minute": 8}
